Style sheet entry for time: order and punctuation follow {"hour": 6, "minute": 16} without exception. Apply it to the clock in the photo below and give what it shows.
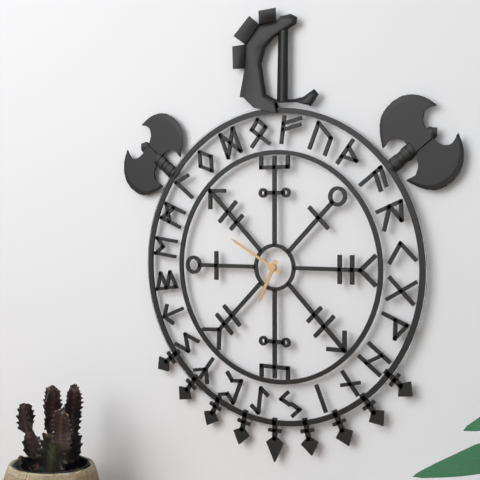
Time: {"hour": 6, "minute": 50}
